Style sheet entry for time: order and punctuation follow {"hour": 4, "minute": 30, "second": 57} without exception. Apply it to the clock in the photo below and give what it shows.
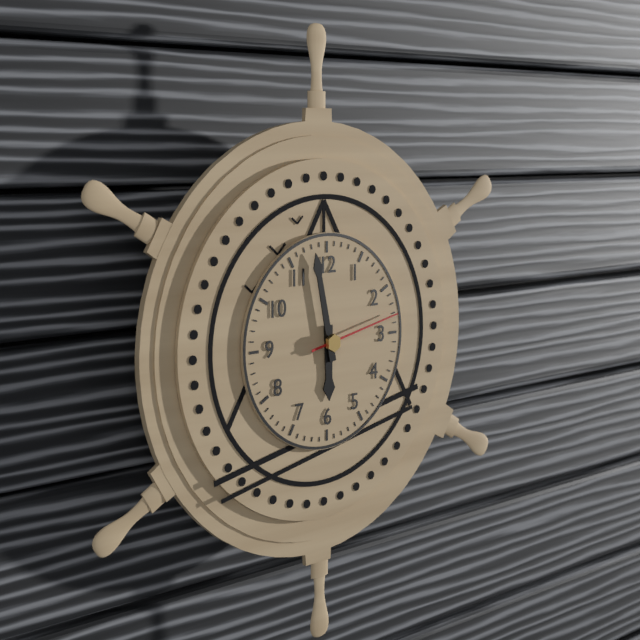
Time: {"hour": 5, "minute": 58, "second": 13}
